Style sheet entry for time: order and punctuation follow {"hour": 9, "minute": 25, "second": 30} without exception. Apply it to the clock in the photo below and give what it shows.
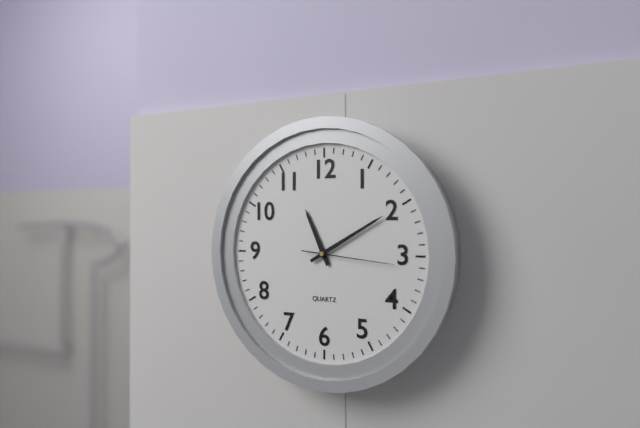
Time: {"hour": 11, "minute": 10, "second": 16}
